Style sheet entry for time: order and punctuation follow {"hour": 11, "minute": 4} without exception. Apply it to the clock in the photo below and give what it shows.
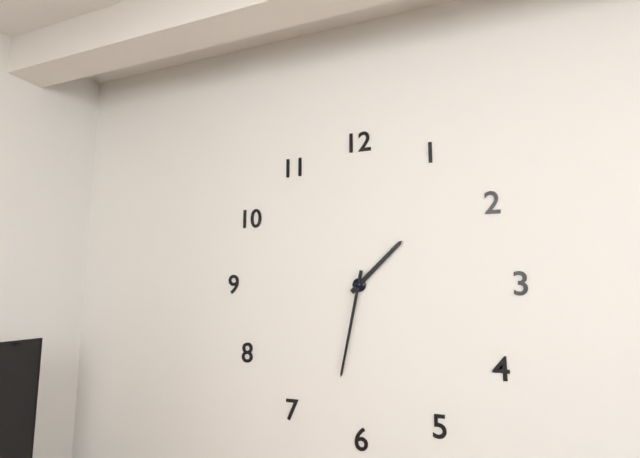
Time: {"hour": 1, "minute": 32}
